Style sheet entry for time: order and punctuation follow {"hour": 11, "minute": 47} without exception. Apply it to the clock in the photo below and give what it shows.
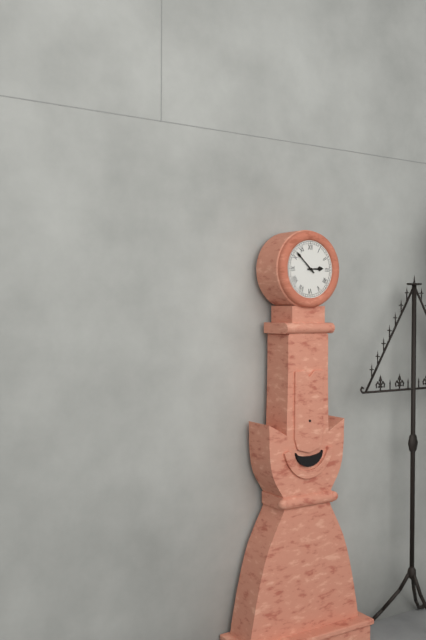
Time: {"hour": 2, "minute": 52}
